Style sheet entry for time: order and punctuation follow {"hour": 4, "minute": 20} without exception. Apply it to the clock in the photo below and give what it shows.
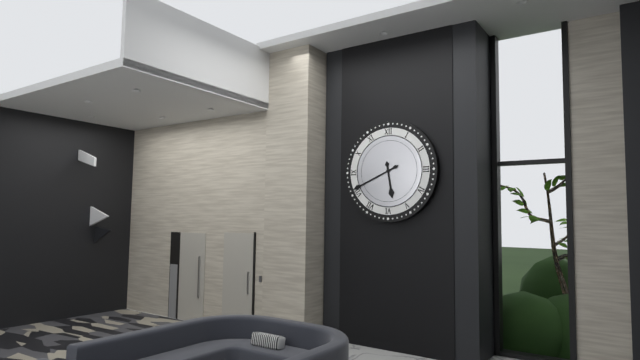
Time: {"hour": 5, "minute": 41}
